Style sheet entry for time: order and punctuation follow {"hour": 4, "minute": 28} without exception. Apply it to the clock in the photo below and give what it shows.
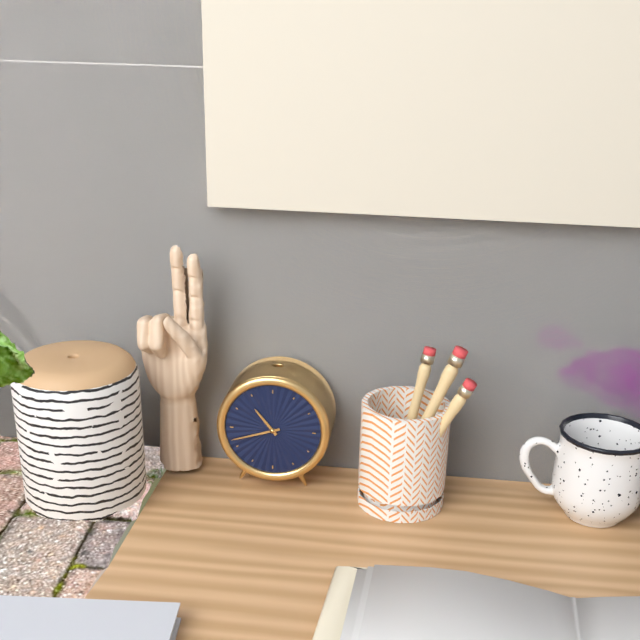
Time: {"hour": 10, "minute": 42}
